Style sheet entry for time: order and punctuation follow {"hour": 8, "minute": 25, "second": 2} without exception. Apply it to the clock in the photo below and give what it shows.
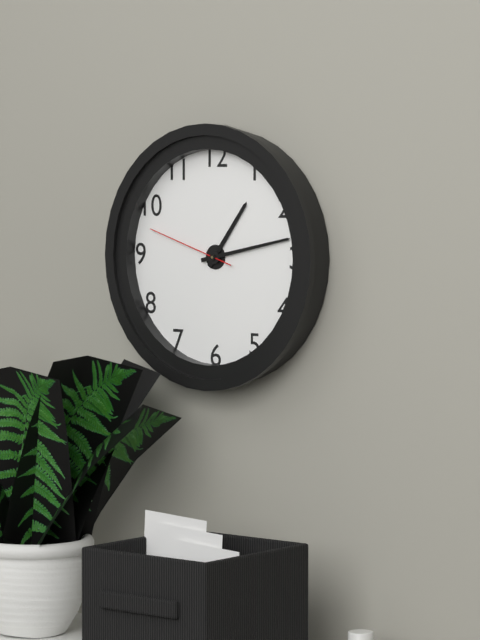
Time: {"hour": 1, "minute": 13, "second": 48}
